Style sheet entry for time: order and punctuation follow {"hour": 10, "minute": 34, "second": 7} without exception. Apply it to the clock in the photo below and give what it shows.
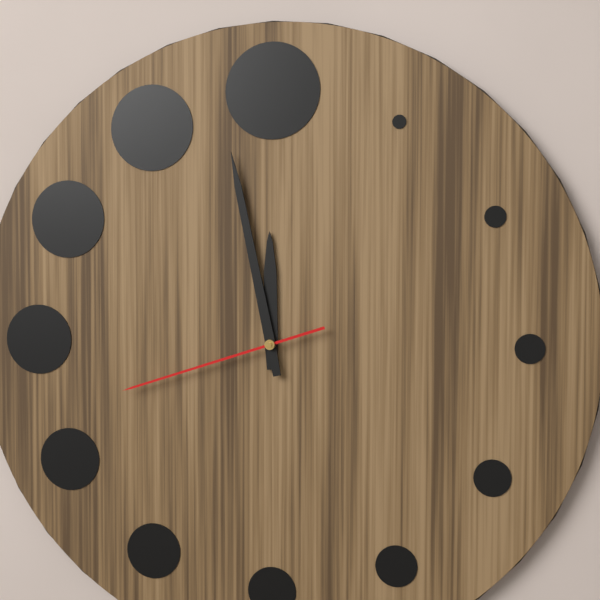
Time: {"hour": 11, "minute": 58, "second": 42}
